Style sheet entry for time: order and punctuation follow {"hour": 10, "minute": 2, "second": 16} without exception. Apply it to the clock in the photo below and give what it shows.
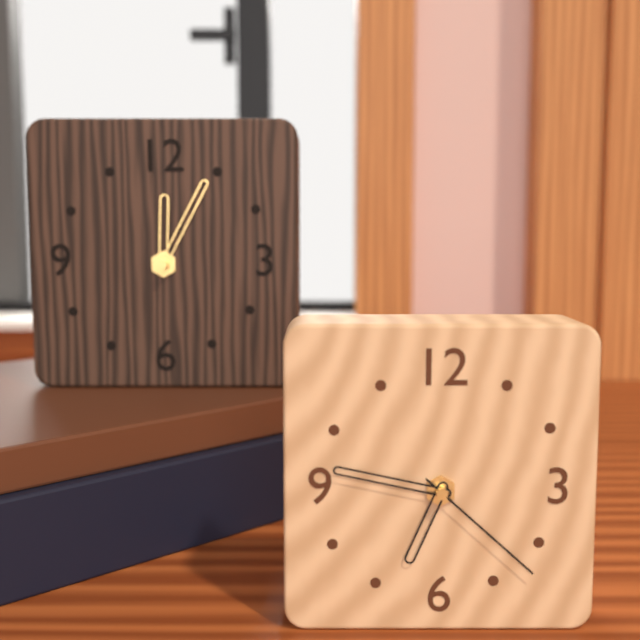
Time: {"hour": 6, "minute": 47, "second": 22}
